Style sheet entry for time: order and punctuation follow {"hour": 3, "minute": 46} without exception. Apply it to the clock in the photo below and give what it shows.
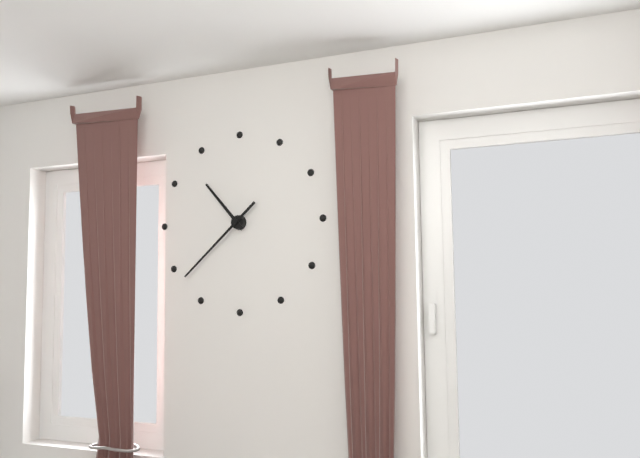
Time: {"hour": 10, "minute": 38}
